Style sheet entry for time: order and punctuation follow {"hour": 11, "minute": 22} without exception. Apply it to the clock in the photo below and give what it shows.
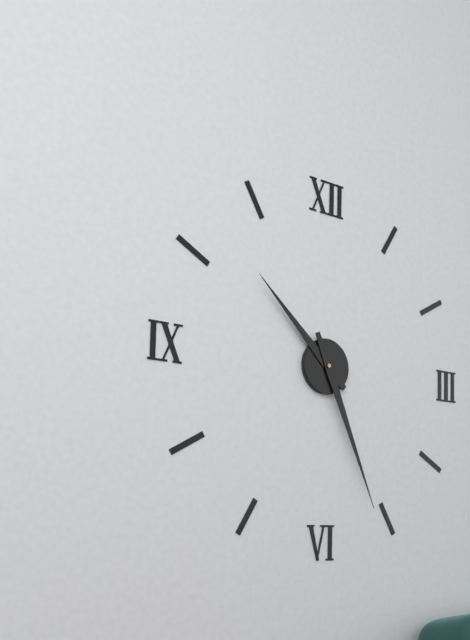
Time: {"hour": 10, "minute": 26}
